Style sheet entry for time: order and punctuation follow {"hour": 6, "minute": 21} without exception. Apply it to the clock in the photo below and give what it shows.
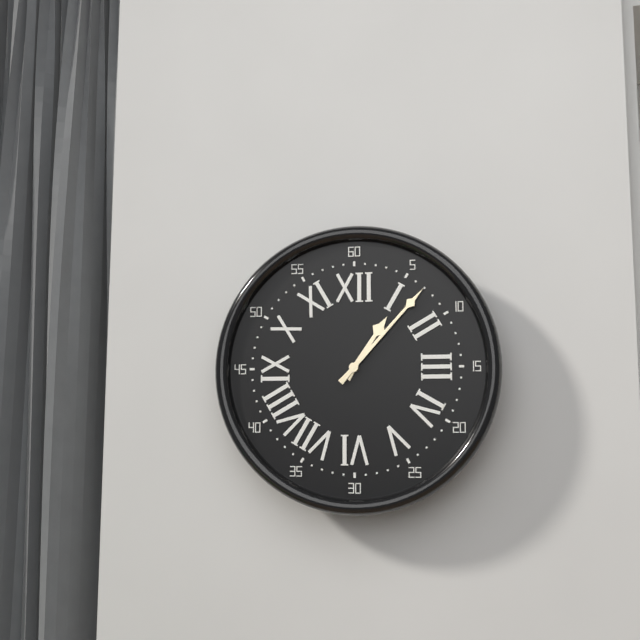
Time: {"hour": 1, "minute": 7}
